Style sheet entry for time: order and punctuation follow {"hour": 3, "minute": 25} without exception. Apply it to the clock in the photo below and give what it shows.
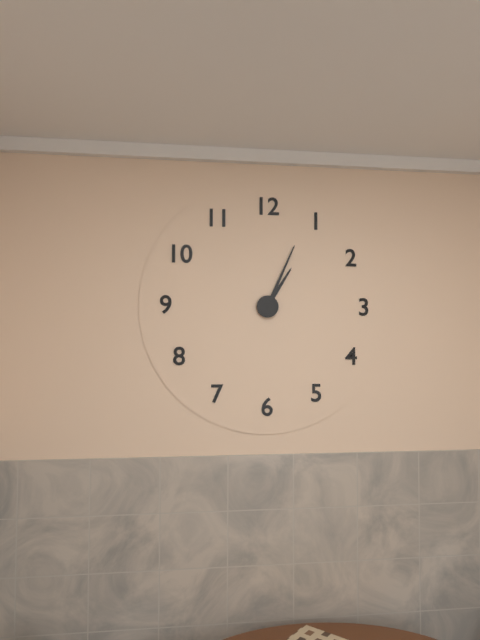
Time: {"hour": 1, "minute": 4}
